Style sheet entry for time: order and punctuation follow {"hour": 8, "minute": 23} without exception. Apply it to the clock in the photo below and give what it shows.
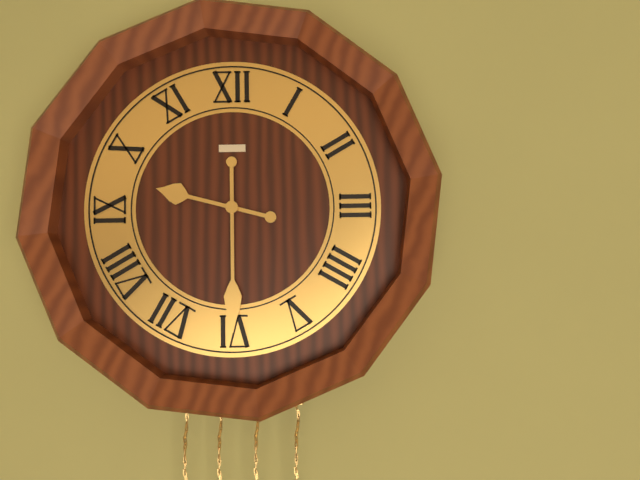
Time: {"hour": 9, "minute": 30}
